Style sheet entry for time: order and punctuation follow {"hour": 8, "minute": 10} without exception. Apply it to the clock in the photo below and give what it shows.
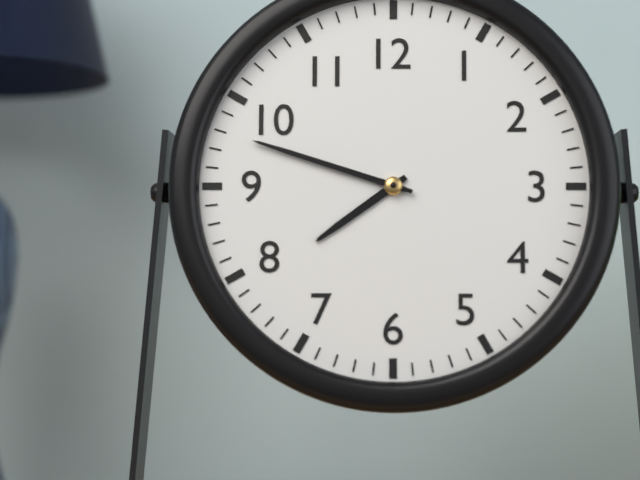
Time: {"hour": 7, "minute": 48}
